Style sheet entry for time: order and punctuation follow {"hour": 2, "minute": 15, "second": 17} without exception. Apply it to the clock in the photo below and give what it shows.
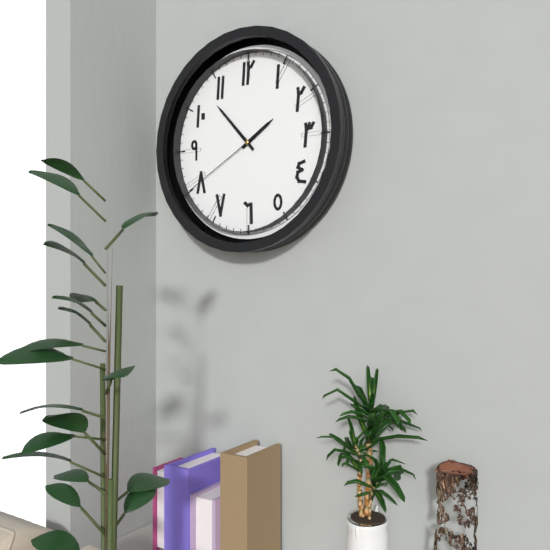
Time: {"hour": 1, "minute": 53, "second": 40}
